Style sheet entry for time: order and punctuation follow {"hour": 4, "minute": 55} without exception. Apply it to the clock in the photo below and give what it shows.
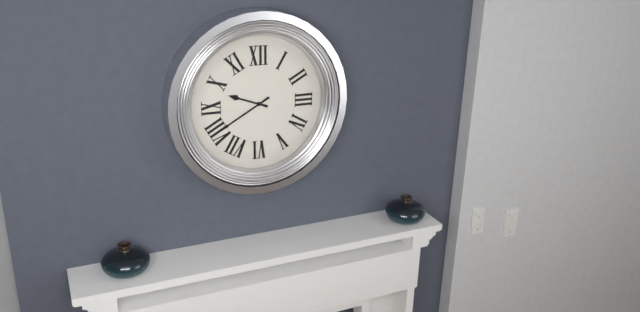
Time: {"hour": 9, "minute": 40}
